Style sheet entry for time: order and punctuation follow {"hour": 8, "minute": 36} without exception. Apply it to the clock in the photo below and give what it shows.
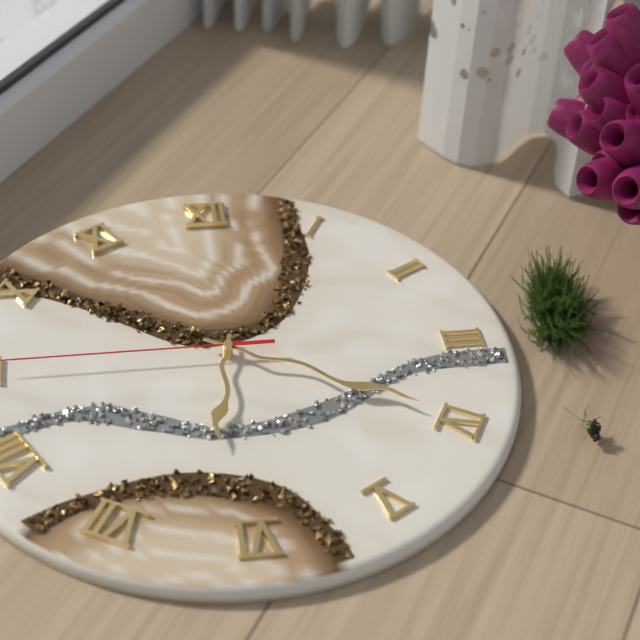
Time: {"hour": 6, "minute": 20}
